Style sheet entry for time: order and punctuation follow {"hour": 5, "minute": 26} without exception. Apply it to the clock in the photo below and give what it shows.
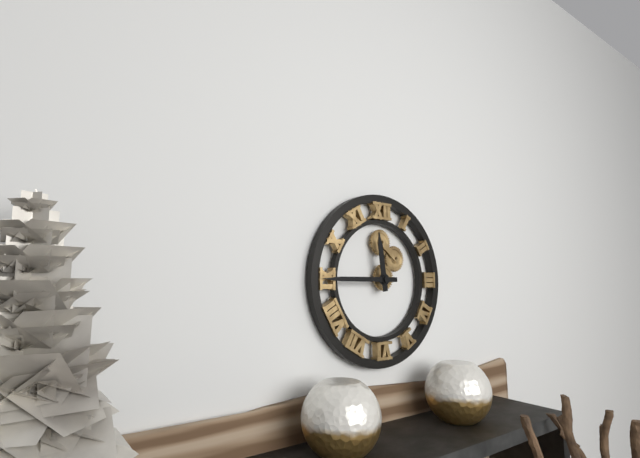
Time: {"hour": 11, "minute": 45}
